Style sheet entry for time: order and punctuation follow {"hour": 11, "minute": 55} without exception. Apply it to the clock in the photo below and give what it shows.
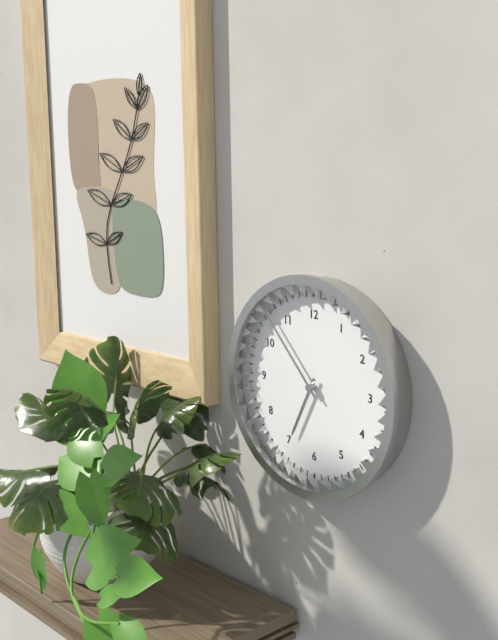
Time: {"hour": 6, "minute": 53}
